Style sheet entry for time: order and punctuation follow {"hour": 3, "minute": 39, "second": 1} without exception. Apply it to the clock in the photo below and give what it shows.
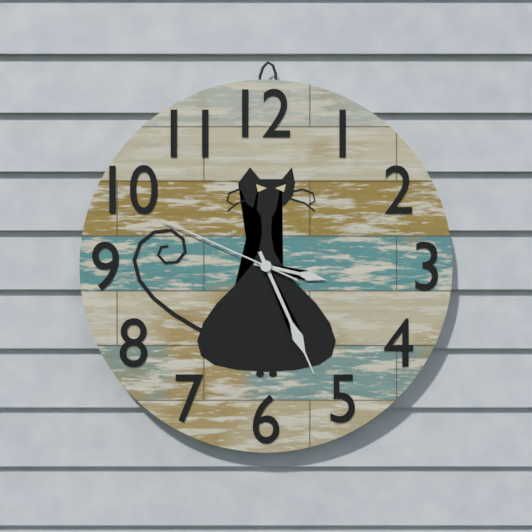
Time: {"hour": 3, "minute": 26, "second": 49}
